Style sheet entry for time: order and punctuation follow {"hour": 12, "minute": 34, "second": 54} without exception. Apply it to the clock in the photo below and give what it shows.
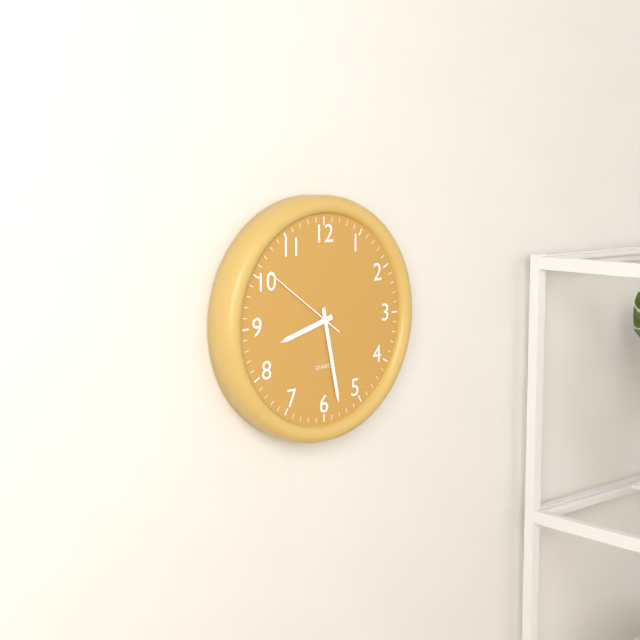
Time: {"hour": 8, "minute": 28, "second": 51}
